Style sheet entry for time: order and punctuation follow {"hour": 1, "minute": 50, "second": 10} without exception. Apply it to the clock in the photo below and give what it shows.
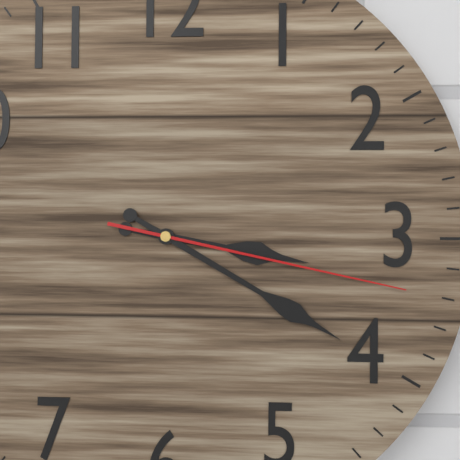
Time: {"hour": 3, "minute": 20, "second": 17}
